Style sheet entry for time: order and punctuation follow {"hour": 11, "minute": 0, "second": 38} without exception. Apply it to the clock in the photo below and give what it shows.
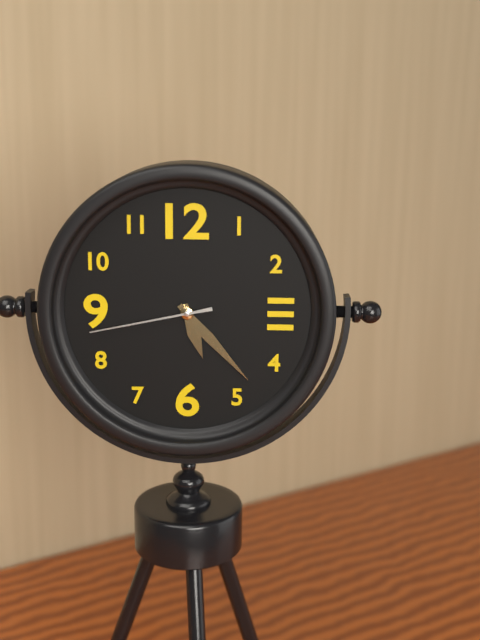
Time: {"hour": 5, "minute": 23, "second": 43}
